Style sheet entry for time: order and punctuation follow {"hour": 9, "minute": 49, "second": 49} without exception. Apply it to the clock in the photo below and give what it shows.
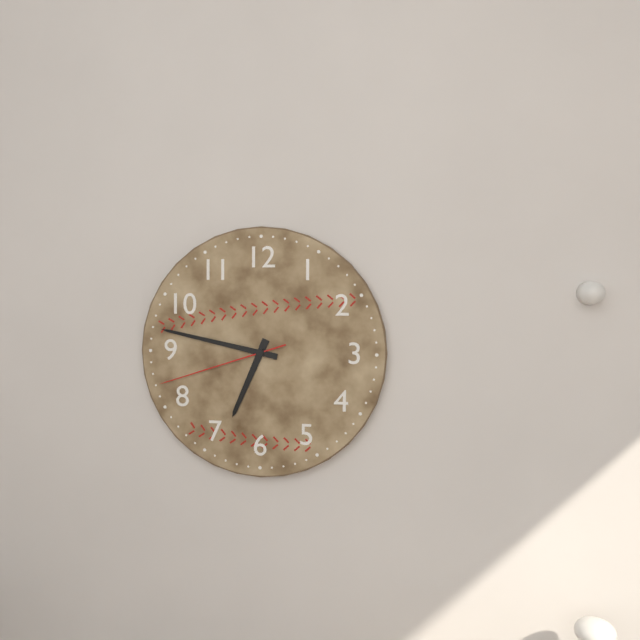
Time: {"hour": 6, "minute": 47, "second": 42}
